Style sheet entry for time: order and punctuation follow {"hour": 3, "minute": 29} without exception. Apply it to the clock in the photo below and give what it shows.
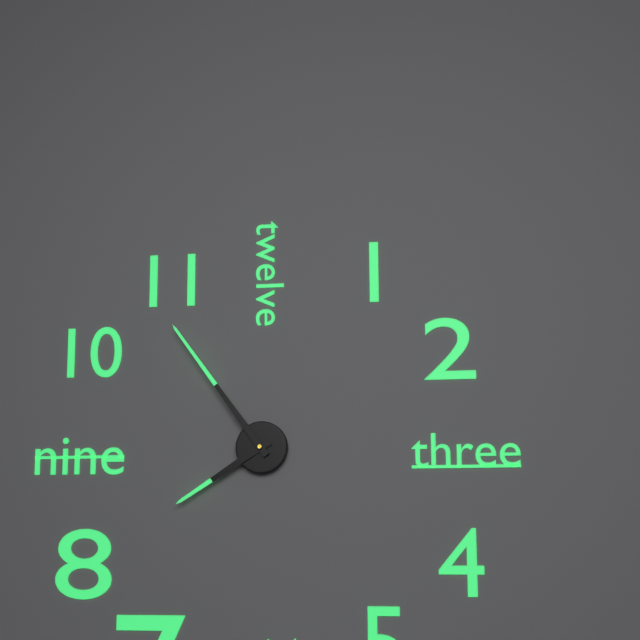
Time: {"hour": 7, "minute": 54}
